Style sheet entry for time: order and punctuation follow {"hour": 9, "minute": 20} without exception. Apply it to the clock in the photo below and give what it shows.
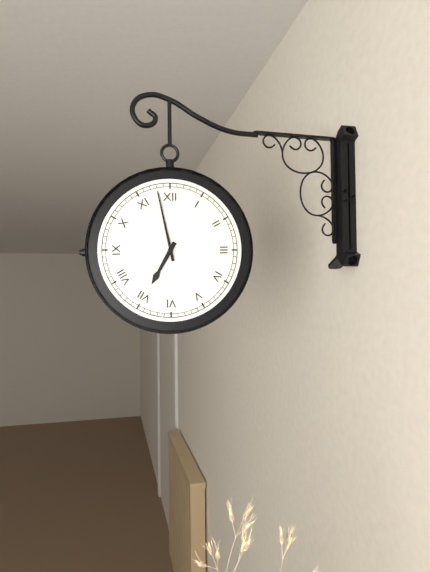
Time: {"hour": 6, "minute": 58}
